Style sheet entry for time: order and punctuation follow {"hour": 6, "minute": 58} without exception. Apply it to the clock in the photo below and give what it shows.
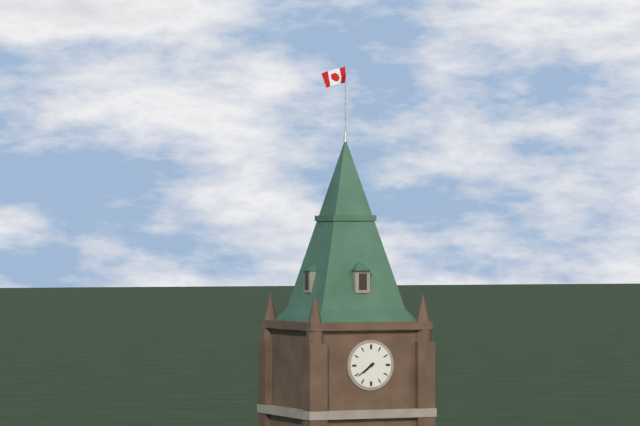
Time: {"hour": 7, "minute": 39}
